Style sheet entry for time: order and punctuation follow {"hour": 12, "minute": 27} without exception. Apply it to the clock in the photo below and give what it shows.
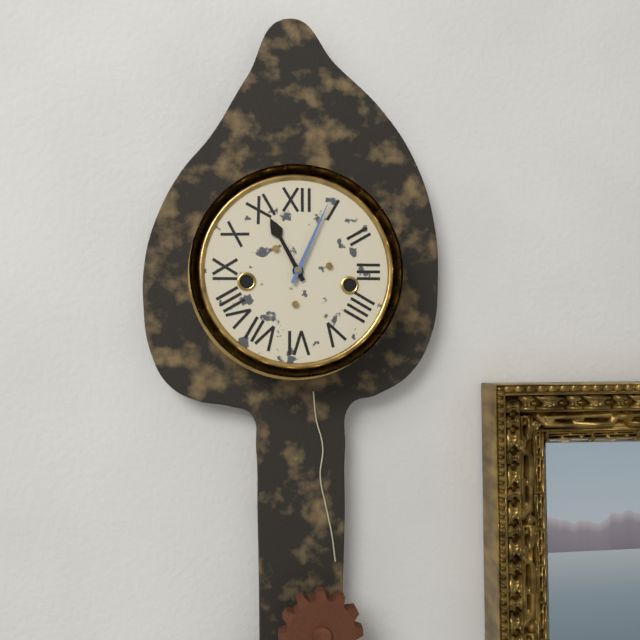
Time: {"hour": 11, "minute": 4}
